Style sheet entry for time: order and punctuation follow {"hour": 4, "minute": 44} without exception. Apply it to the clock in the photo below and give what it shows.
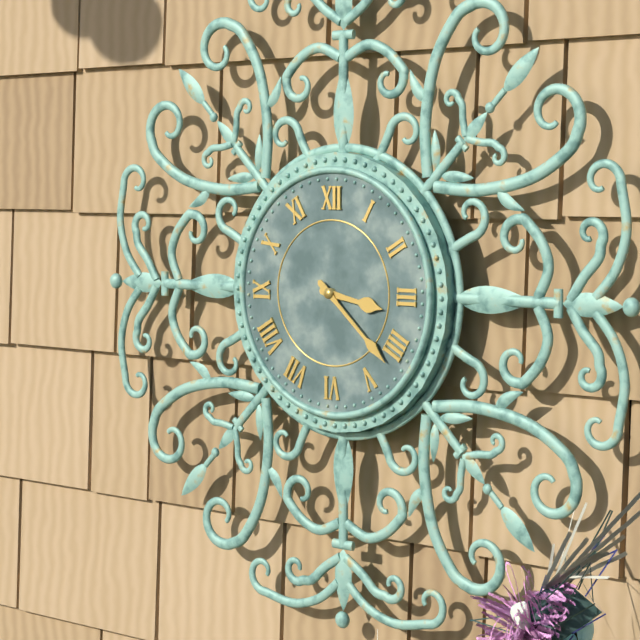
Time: {"hour": 3, "minute": 22}
